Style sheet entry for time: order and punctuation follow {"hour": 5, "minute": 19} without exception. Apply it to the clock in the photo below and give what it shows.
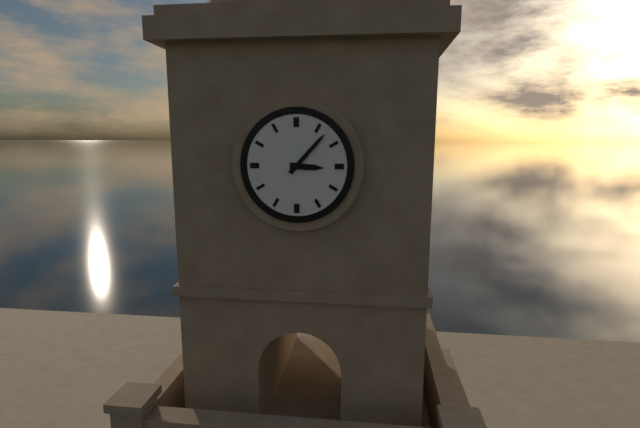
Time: {"hour": 3, "minute": 7}
